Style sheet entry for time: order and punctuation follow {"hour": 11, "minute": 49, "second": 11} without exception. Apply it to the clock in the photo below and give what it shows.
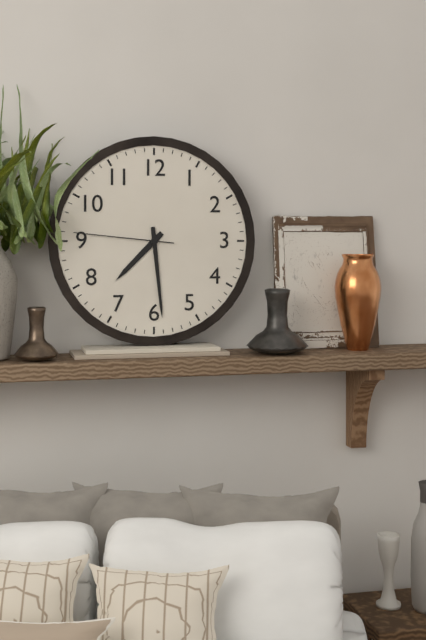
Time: {"hour": 7, "minute": 29, "second": 46}
